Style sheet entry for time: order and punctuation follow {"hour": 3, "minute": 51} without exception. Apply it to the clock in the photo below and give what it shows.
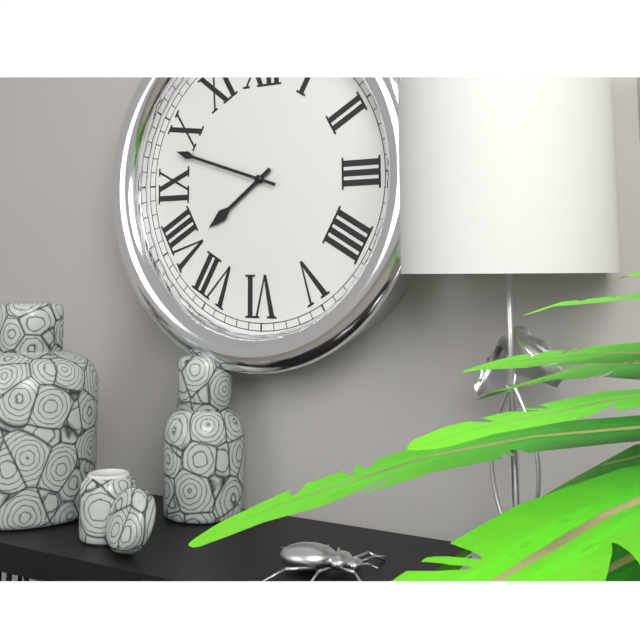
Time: {"hour": 7, "minute": 48}
